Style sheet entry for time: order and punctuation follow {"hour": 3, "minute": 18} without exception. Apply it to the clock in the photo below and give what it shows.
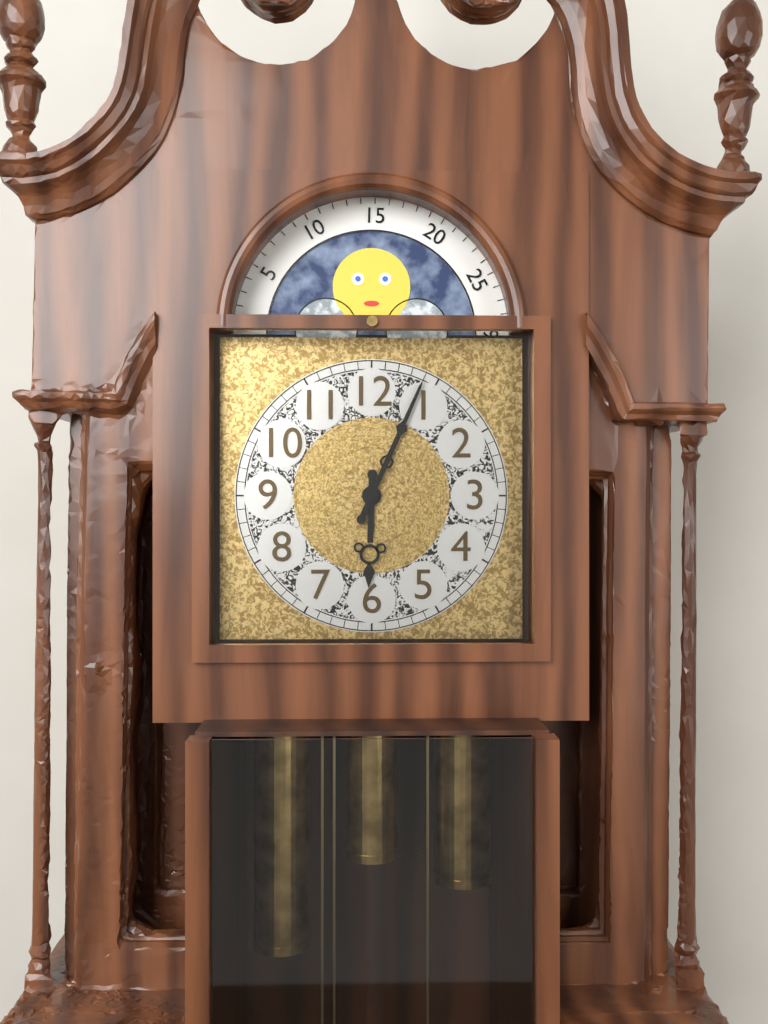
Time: {"hour": 6, "minute": 4}
